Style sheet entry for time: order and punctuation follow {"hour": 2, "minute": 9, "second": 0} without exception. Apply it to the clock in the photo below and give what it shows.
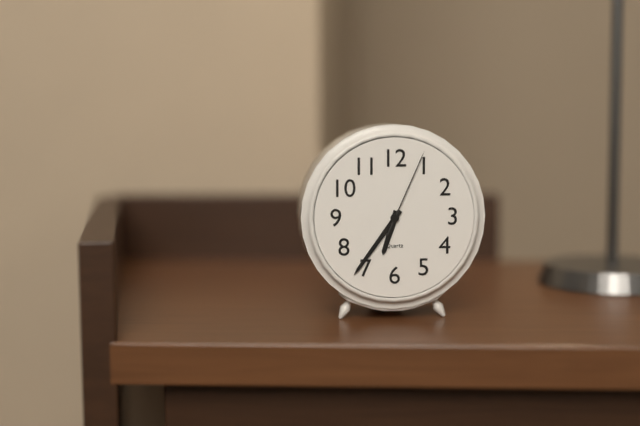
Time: {"hour": 6, "minute": 36, "second": 4}
